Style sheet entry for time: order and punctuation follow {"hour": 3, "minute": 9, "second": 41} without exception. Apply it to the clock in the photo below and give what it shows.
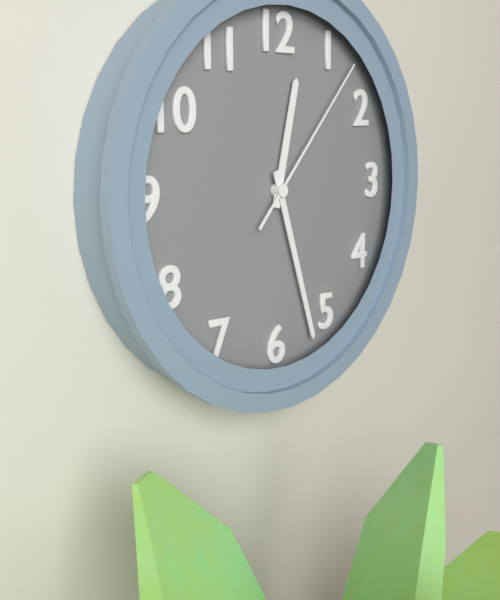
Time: {"hour": 12, "minute": 27, "second": 7}
